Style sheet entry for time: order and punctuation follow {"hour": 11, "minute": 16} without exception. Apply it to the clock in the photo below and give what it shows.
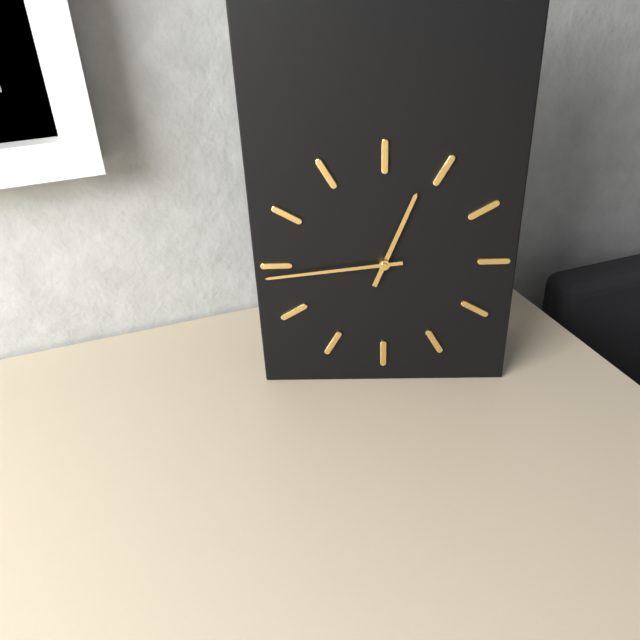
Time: {"hour": 12, "minute": 44}
